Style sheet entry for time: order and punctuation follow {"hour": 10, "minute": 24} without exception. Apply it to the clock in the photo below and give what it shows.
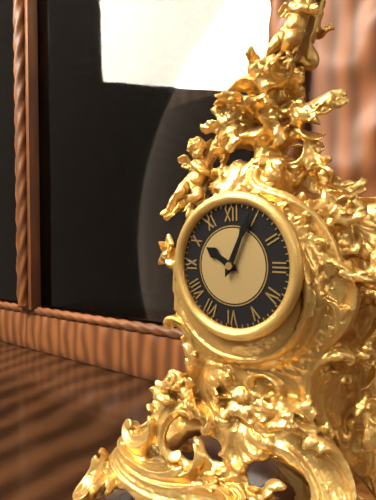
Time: {"hour": 10, "minute": 4}
